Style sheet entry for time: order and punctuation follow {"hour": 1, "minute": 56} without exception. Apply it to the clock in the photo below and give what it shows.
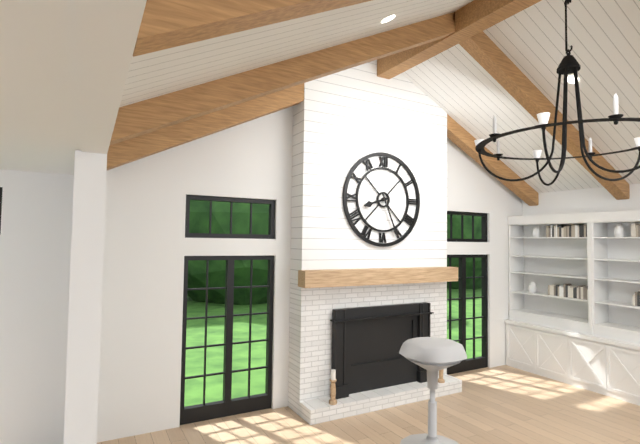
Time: {"hour": 8, "minute": 26}
